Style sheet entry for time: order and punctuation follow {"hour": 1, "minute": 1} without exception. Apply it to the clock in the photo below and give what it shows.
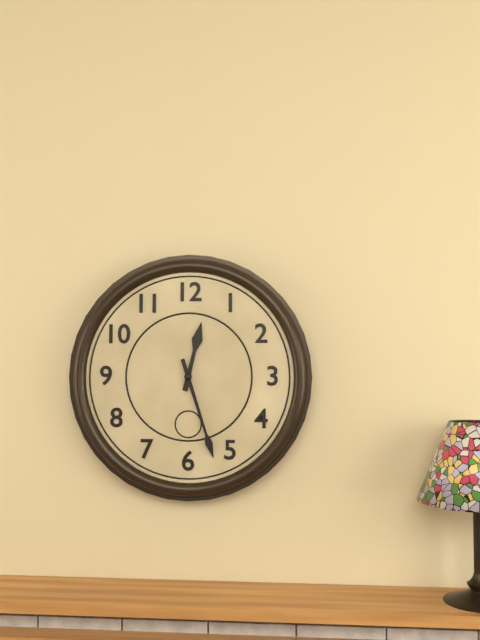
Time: {"hour": 12, "minute": 27}
